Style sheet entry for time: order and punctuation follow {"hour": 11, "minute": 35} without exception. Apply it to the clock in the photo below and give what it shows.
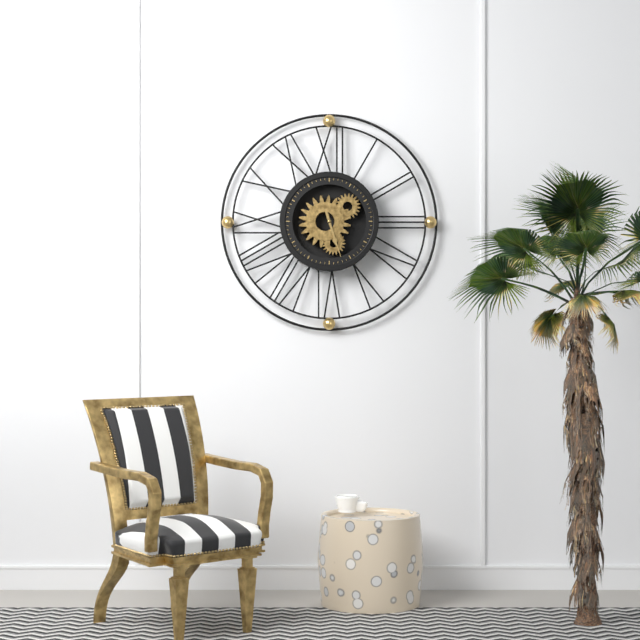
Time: {"hour": 5, "minute": 27}
